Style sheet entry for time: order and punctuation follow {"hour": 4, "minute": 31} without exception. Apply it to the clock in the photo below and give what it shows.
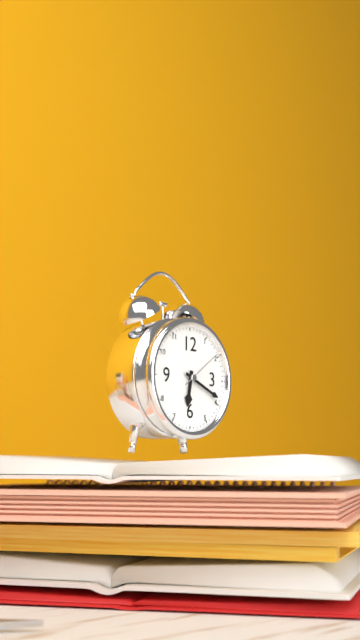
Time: {"hour": 6, "minute": 19}
